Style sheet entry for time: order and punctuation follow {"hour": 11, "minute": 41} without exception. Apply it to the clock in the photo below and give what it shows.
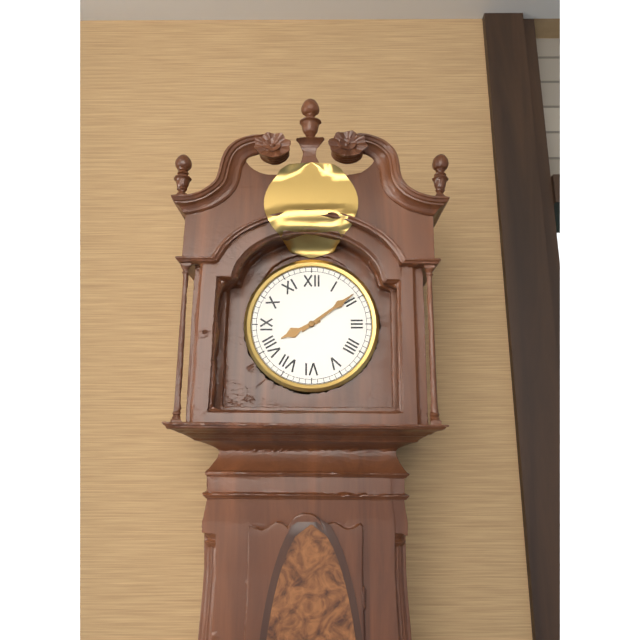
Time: {"hour": 8, "minute": 9}
